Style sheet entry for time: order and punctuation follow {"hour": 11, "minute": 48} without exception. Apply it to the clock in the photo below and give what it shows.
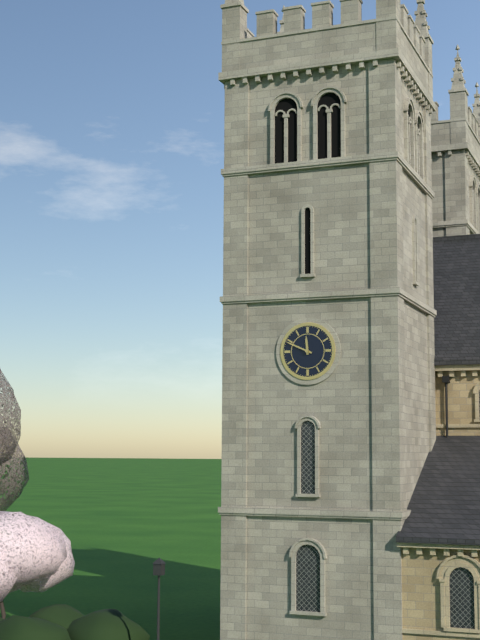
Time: {"hour": 11, "minute": 49}
